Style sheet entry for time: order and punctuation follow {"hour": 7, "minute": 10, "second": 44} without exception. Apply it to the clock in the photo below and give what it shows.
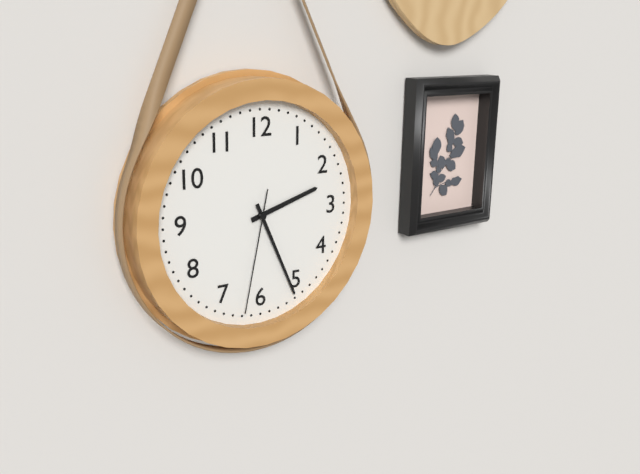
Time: {"hour": 2, "minute": 26, "second": 32}
